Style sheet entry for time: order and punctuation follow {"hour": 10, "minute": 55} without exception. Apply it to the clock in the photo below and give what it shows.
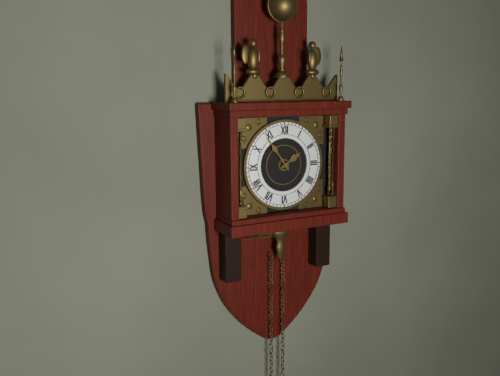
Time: {"hour": 1, "minute": 54}
